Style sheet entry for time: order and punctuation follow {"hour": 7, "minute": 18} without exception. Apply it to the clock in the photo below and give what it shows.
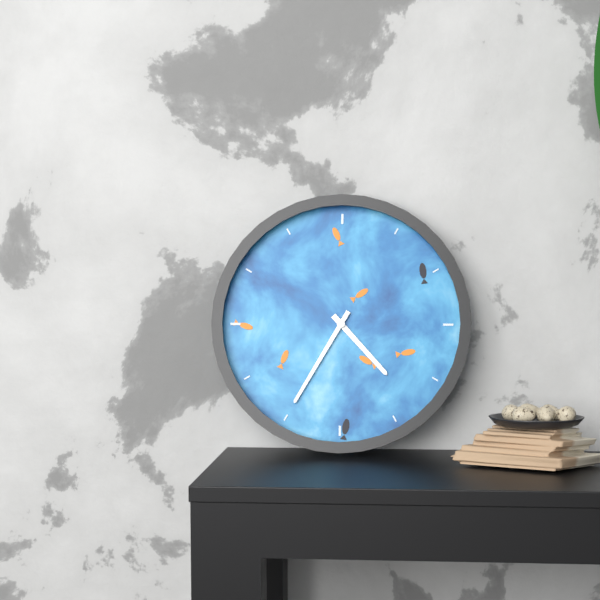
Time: {"hour": 4, "minute": 35}
